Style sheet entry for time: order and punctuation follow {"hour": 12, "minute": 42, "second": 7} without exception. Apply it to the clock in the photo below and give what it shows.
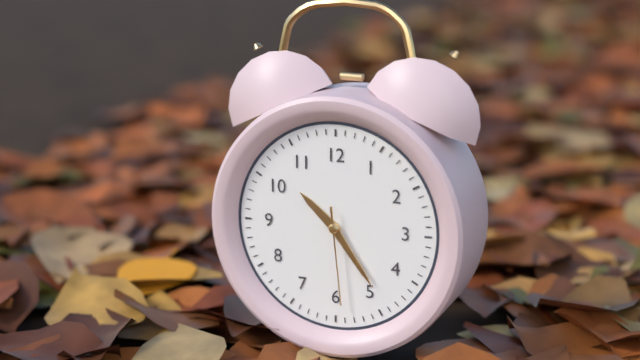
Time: {"hour": 10, "minute": 24, "second": 29}
